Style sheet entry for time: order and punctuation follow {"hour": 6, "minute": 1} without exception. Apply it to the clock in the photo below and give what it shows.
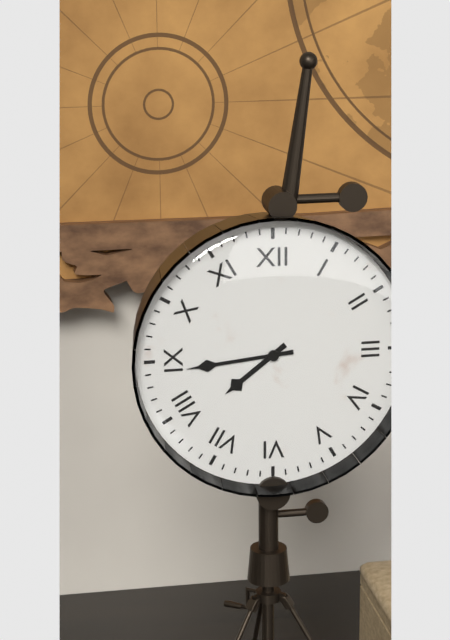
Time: {"hour": 7, "minute": 44}
